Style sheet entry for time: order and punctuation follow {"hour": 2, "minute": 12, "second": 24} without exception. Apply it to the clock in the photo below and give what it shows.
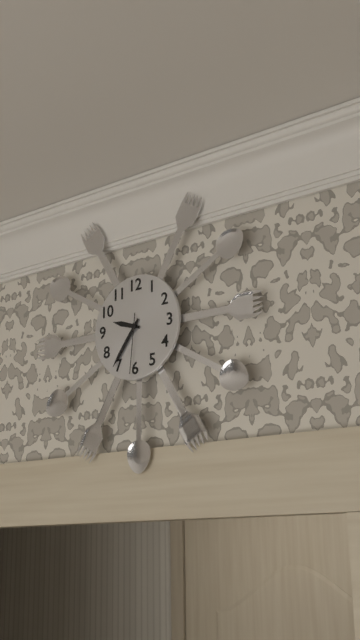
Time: {"hour": 9, "minute": 36, "second": 31}
